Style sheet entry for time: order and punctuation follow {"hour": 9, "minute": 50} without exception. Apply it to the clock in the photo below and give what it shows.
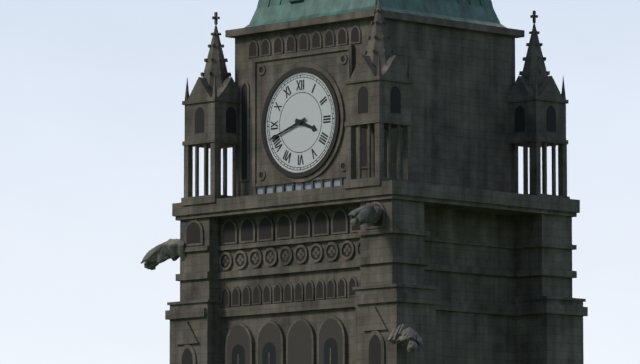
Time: {"hour": 3, "minute": 42}
